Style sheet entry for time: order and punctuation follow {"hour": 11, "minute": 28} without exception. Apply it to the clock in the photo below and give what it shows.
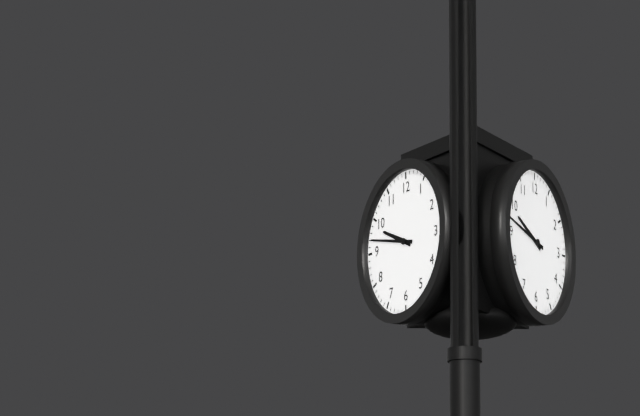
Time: {"hour": 9, "minute": 47}
